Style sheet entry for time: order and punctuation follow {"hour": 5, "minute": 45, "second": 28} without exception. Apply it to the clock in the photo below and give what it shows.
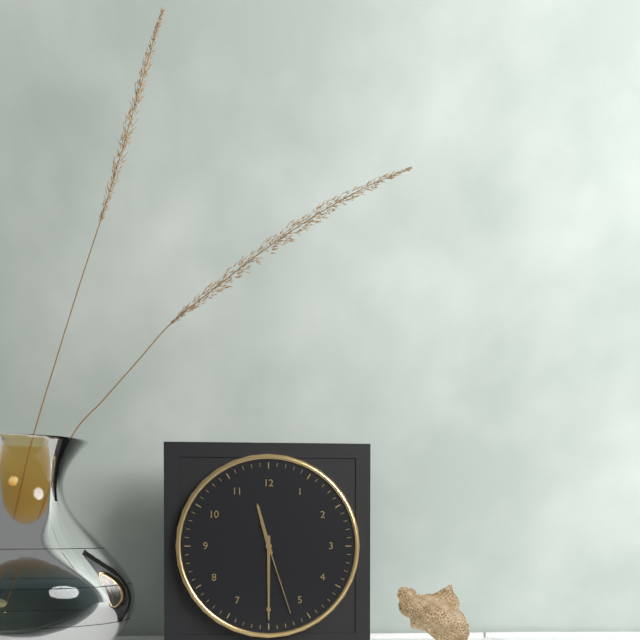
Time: {"hour": 11, "minute": 30, "second": 27}
